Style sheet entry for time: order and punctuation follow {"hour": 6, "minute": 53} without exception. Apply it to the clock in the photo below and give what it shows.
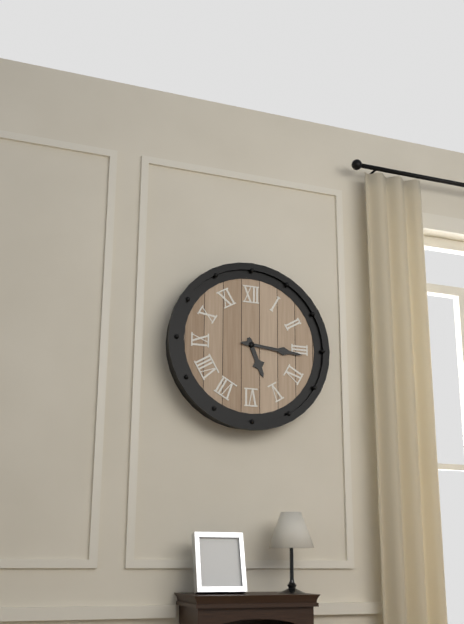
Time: {"hour": 5, "minute": 16}
